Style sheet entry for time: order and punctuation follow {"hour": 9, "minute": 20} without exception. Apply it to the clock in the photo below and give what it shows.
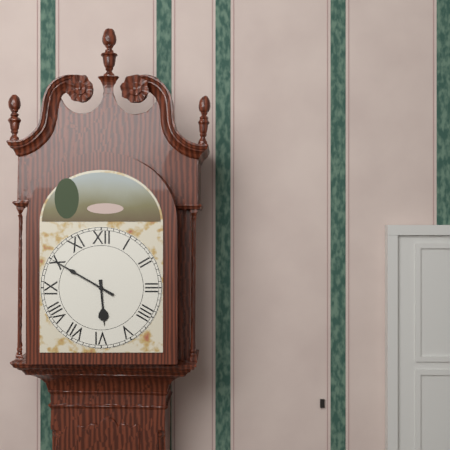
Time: {"hour": 5, "minute": 50}
